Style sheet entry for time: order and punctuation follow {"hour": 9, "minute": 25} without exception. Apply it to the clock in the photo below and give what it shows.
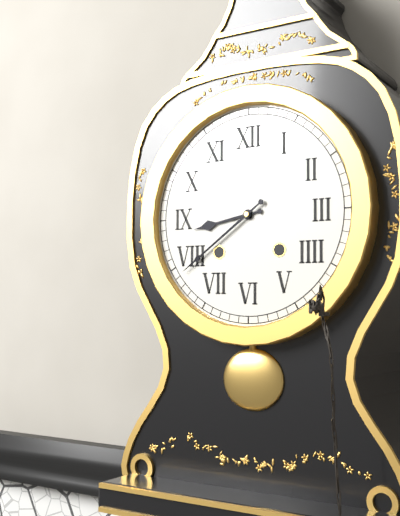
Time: {"hour": 8, "minute": 39}
